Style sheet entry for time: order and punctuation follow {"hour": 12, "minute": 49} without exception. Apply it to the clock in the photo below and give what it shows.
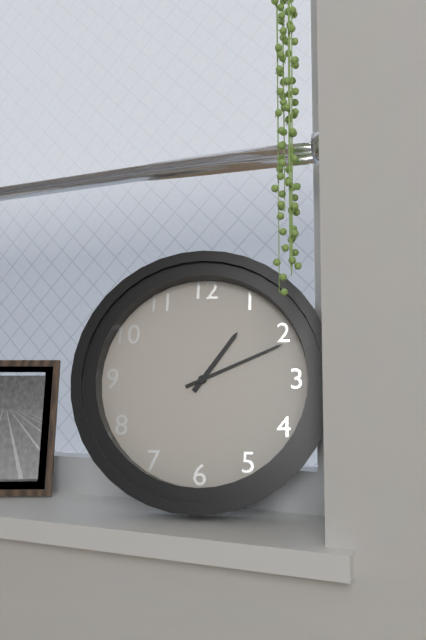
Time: {"hour": 1, "minute": 11}
